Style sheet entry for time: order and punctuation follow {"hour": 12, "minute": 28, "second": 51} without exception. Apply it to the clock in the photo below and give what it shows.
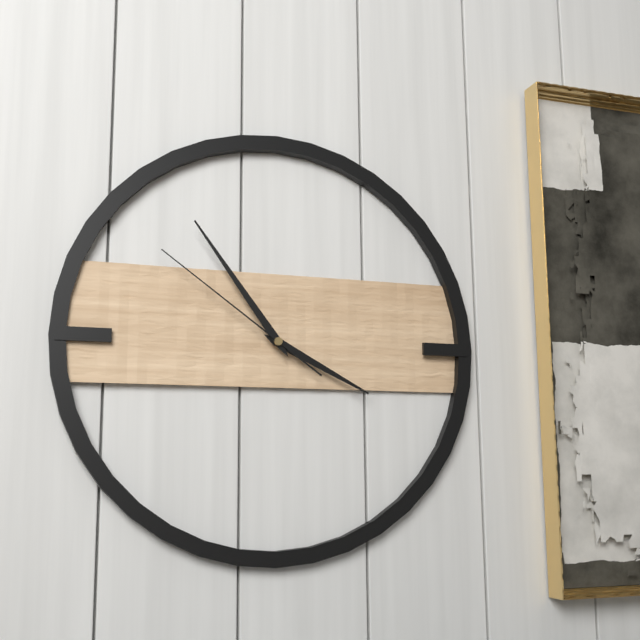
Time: {"hour": 3, "minute": 54, "second": 51}
